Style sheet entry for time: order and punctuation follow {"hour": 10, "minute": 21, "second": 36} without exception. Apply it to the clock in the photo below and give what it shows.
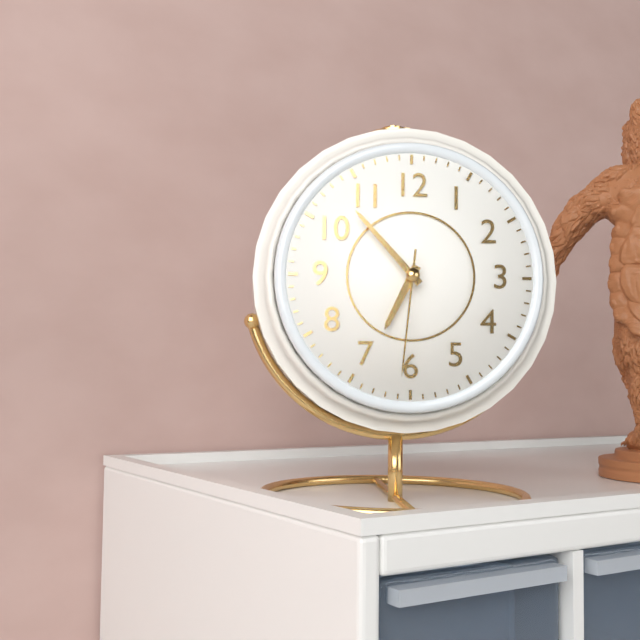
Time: {"hour": 6, "minute": 53, "second": 31}
